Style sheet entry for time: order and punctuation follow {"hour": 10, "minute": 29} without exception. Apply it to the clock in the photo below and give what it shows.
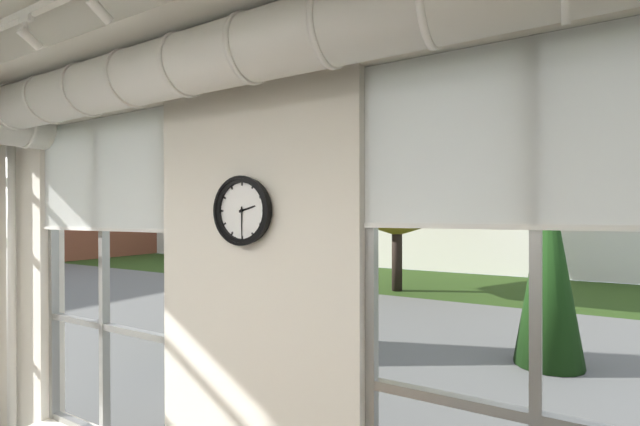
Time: {"hour": 2, "minute": 30}
